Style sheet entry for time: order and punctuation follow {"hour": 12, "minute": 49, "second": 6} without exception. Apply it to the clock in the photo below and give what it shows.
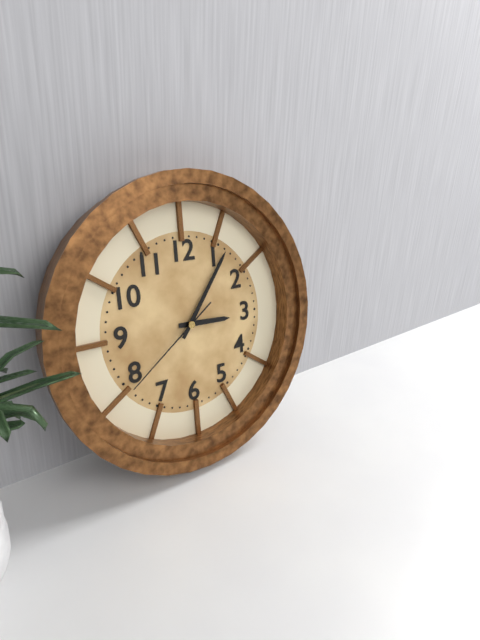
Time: {"hour": 3, "minute": 6, "second": 39}
